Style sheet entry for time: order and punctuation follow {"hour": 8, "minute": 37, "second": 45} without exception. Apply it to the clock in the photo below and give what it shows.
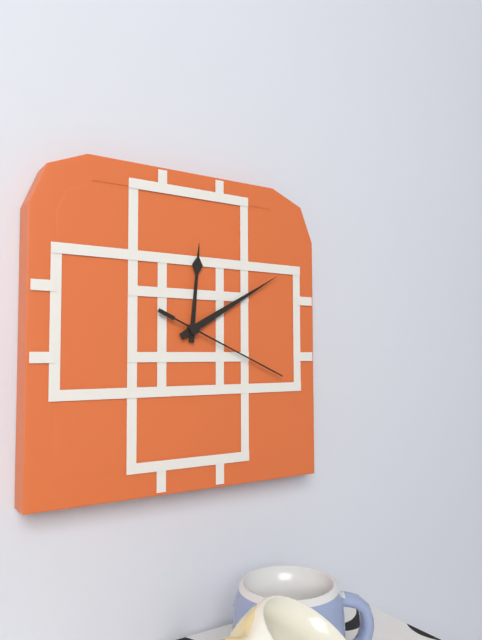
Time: {"hour": 12, "minute": 10, "second": 19}
